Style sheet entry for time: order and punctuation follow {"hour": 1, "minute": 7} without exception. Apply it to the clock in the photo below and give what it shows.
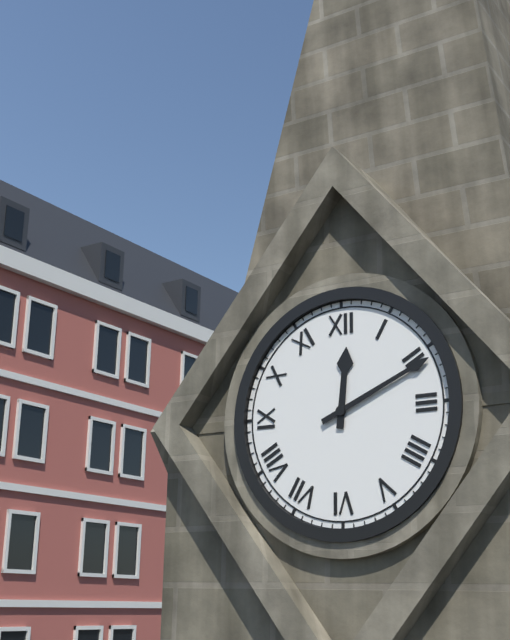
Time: {"hour": 12, "minute": 11}
